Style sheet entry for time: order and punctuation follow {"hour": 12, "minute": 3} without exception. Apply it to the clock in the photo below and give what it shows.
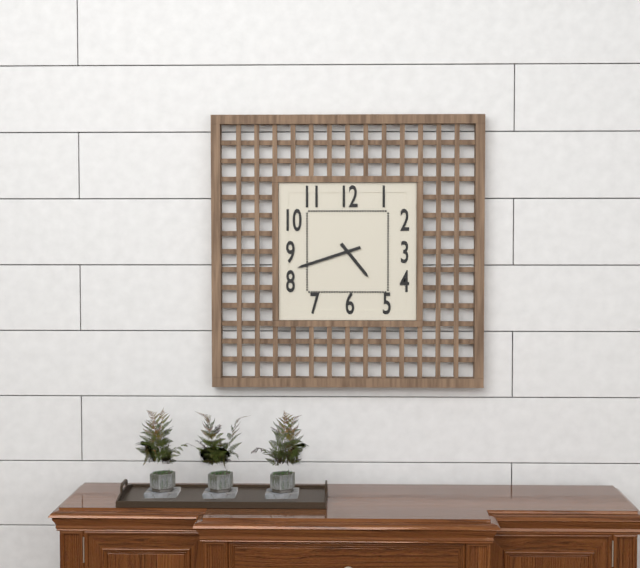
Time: {"hour": 4, "minute": 42}
